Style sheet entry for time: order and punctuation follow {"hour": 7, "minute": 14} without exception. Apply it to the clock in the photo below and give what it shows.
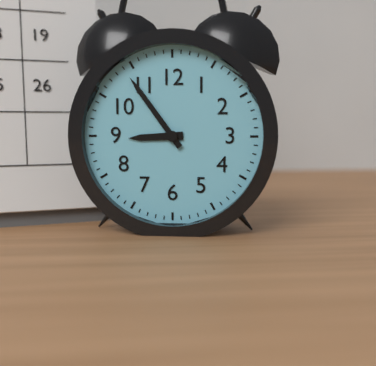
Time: {"hour": 8, "minute": 54}
